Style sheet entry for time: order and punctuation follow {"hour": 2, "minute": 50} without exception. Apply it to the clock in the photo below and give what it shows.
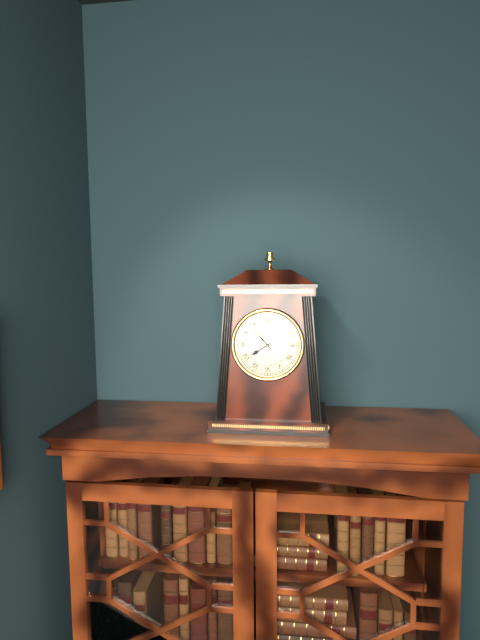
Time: {"hour": 7, "minute": 53}
